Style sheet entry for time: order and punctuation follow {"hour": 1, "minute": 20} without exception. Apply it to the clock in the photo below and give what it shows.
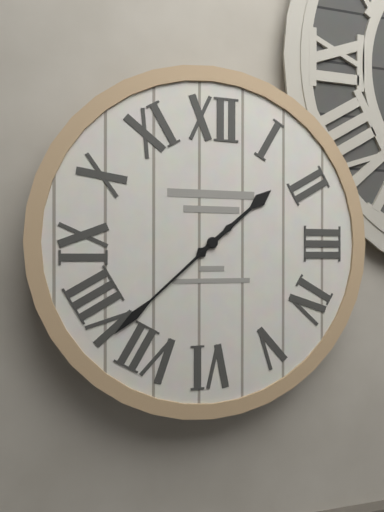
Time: {"hour": 1, "minute": 38}
